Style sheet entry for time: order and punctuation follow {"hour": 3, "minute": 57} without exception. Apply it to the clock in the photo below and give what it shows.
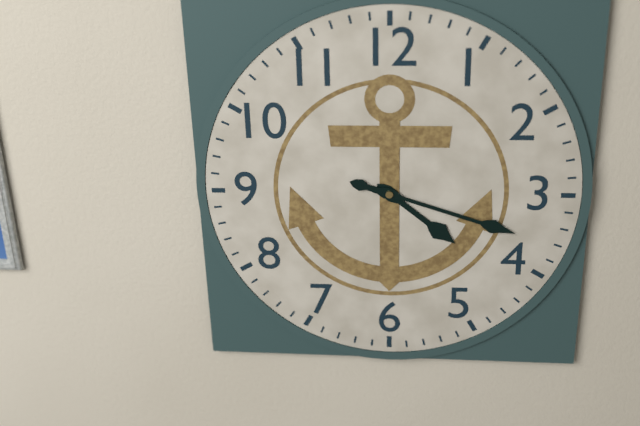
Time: {"hour": 4, "minute": 18}
